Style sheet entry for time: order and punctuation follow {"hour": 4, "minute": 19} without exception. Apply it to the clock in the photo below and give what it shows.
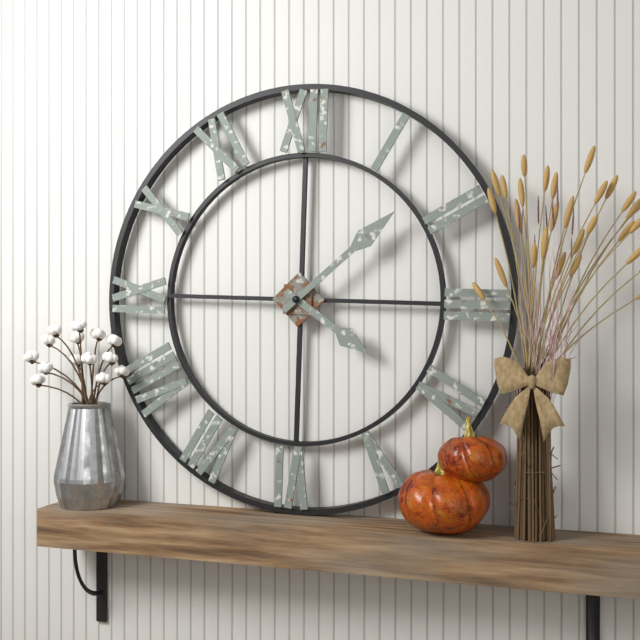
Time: {"hour": 4, "minute": 8}
